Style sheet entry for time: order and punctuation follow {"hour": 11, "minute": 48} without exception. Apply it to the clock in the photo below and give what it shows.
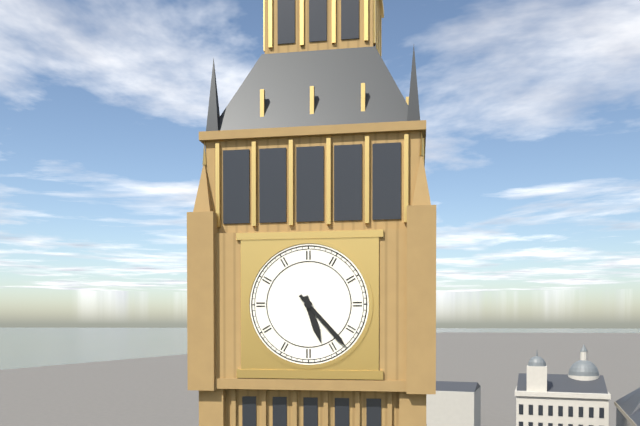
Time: {"hour": 5, "minute": 23}
